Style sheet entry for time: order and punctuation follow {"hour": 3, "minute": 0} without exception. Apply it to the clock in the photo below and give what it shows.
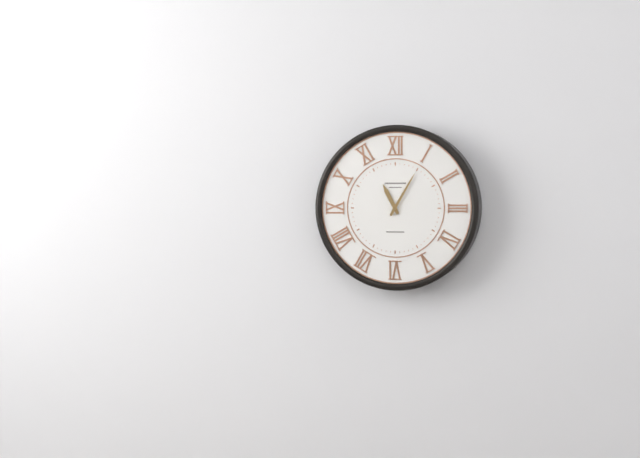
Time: {"hour": 11, "minute": 5}
